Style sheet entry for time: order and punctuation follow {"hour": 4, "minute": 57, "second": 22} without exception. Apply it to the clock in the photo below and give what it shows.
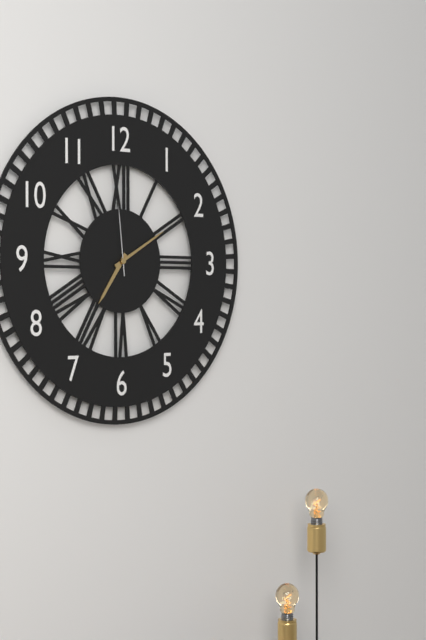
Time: {"hour": 7, "minute": 10, "second": 59}
